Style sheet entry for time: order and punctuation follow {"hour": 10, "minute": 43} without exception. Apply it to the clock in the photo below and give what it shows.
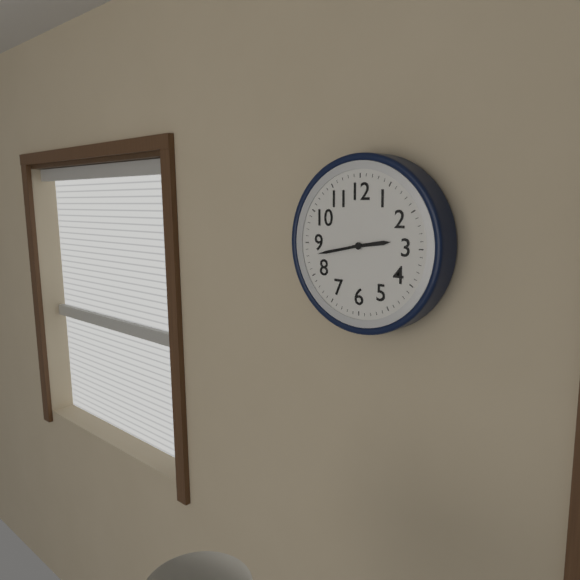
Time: {"hour": 2, "minute": 43}
